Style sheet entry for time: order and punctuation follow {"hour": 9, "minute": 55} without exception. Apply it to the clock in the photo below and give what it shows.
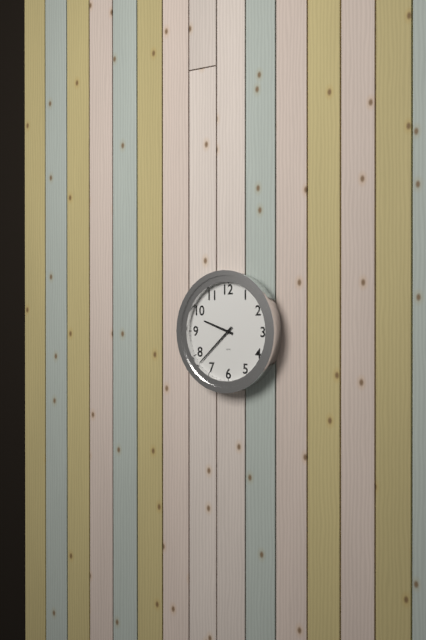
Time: {"hour": 9, "minute": 38}
